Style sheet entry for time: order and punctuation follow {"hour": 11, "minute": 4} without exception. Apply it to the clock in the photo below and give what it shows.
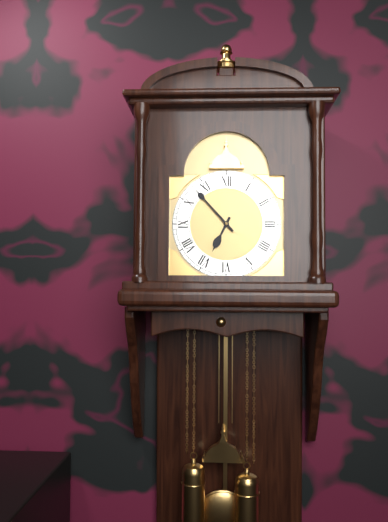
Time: {"hour": 6, "minute": 53}
